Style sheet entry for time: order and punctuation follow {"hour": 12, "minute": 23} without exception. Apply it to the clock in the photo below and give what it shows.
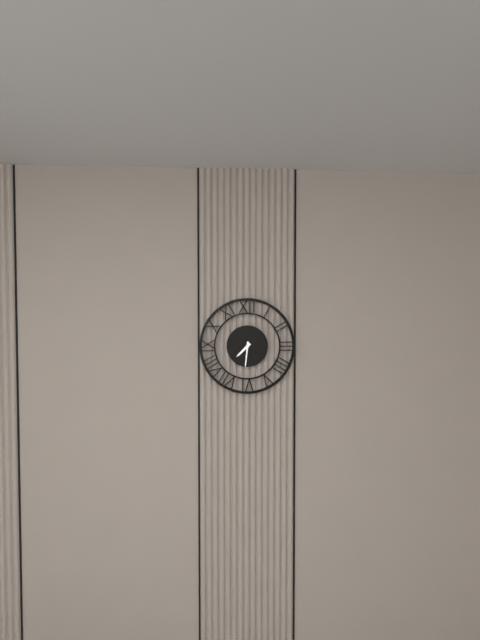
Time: {"hour": 7, "minute": 31}
